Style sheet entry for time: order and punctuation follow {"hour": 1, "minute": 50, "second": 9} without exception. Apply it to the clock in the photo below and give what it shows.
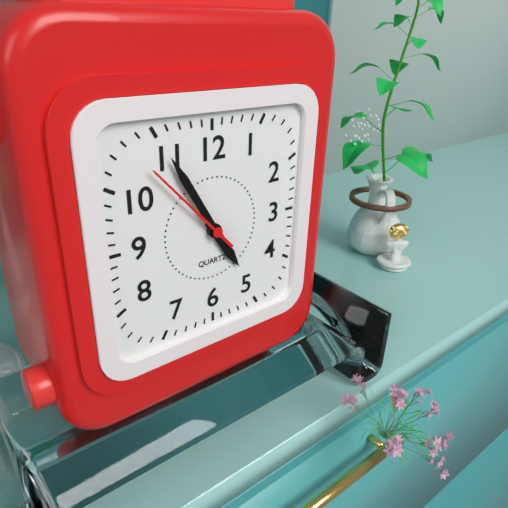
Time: {"hour": 4, "minute": 55, "second": 53}
